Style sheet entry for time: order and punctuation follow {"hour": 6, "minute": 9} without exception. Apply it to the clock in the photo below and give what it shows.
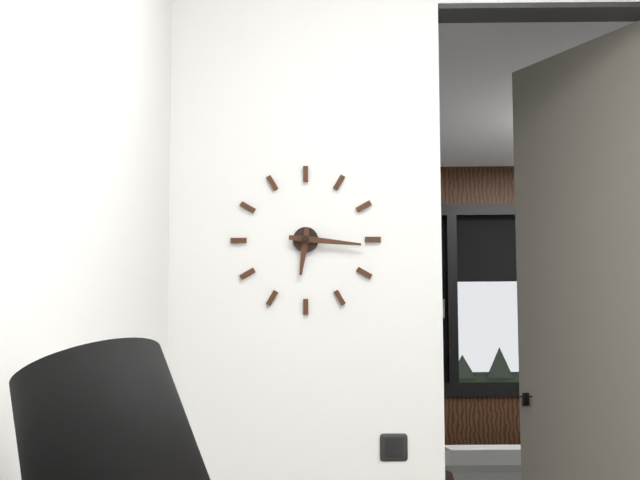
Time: {"hour": 6, "minute": 16}
